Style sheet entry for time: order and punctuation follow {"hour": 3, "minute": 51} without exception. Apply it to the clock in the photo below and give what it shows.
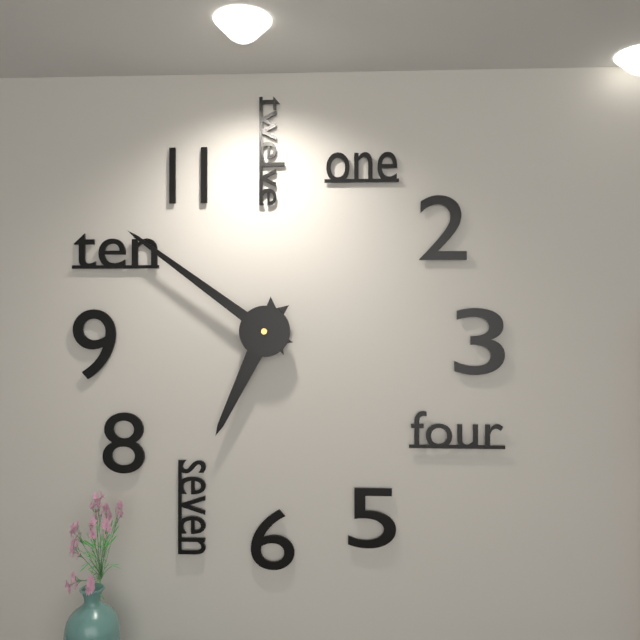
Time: {"hour": 6, "minute": 51}
